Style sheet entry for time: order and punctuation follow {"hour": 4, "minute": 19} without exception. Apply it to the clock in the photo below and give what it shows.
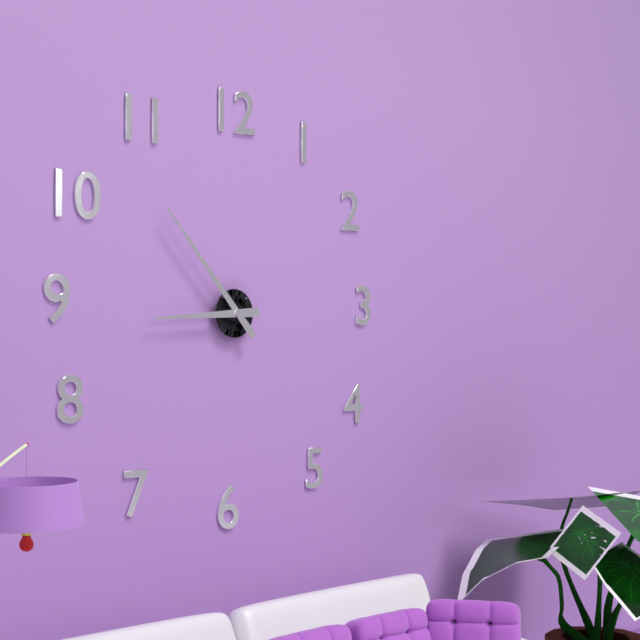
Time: {"hour": 8, "minute": 53}
